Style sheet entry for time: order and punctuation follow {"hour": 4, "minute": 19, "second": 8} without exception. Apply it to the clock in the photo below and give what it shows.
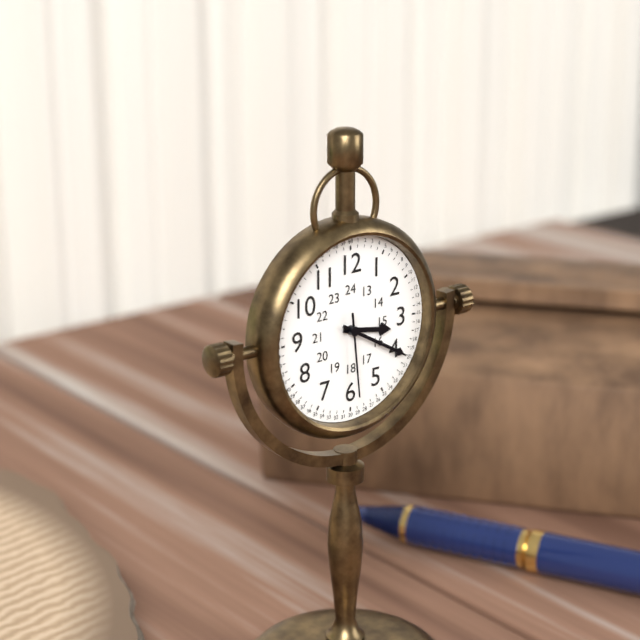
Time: {"hour": 3, "minute": 20, "second": 29}
